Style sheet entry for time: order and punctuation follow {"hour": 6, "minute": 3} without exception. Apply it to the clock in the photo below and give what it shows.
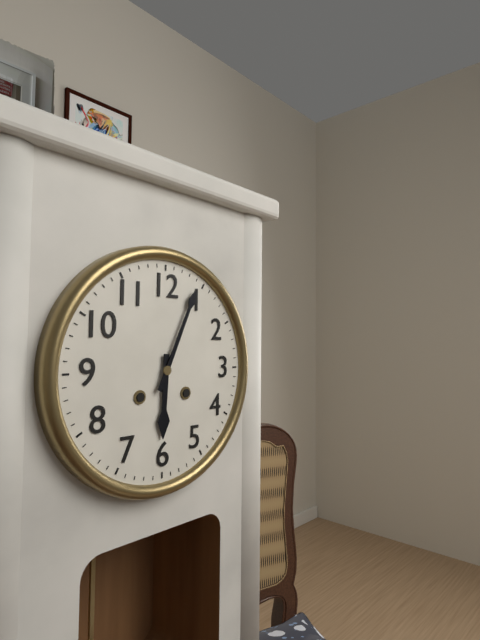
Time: {"hour": 6, "minute": 4}
